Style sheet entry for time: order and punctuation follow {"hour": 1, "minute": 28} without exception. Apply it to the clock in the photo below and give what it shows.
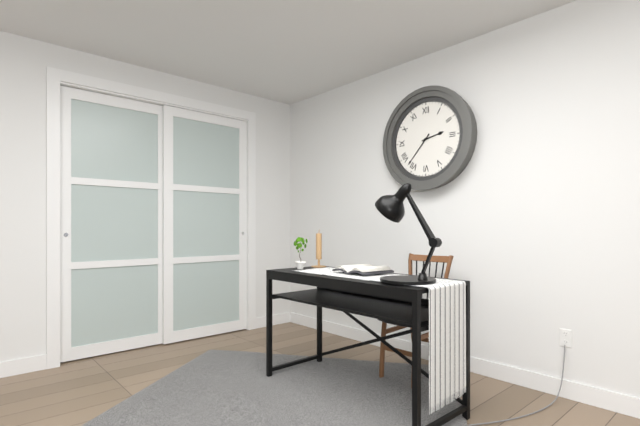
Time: {"hour": 2, "minute": 37}
